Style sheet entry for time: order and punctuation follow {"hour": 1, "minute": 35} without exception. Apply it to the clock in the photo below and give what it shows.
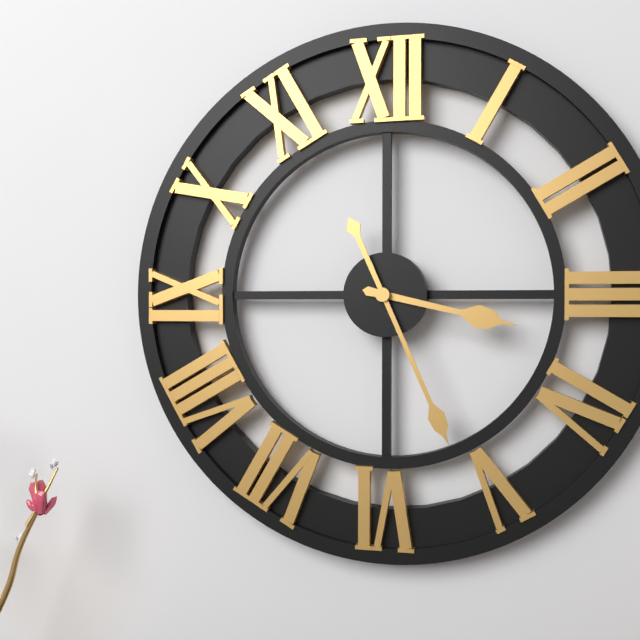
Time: {"hour": 3, "minute": 26}
